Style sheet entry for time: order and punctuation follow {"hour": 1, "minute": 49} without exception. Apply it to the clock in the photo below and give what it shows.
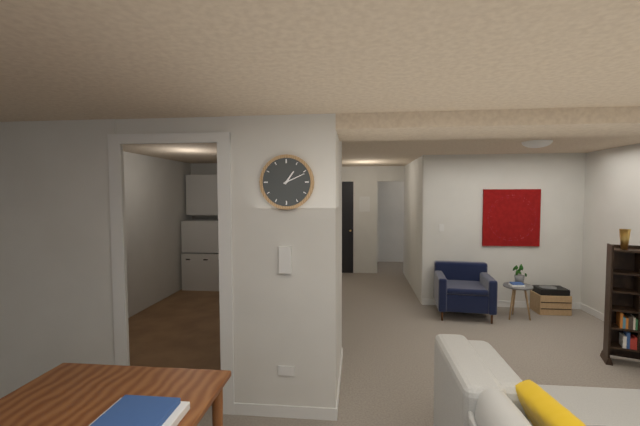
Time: {"hour": 1, "minute": 11}
